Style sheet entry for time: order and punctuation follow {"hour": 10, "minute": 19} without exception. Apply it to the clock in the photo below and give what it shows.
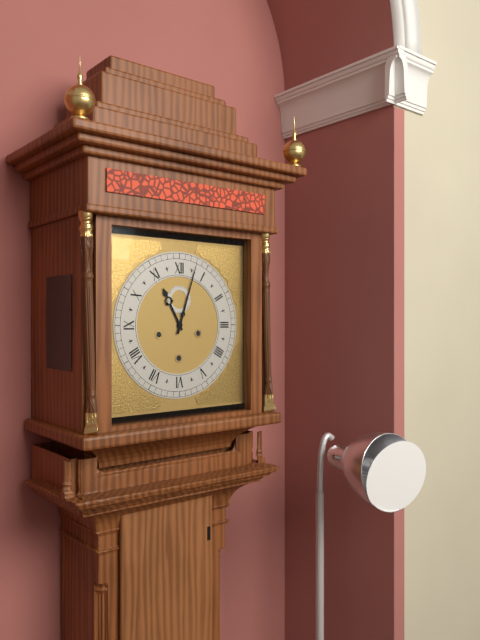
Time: {"hour": 11, "minute": 3}
